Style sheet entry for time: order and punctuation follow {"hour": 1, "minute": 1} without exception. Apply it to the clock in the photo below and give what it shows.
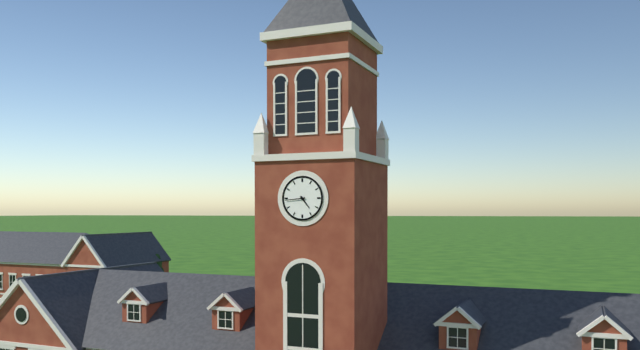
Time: {"hour": 4, "minute": 44}
